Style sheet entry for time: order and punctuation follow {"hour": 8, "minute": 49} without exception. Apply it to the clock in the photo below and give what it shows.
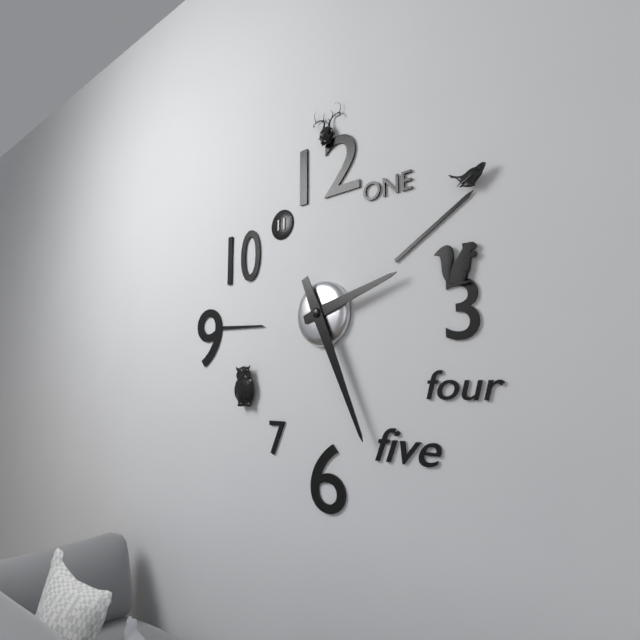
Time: {"hour": 2, "minute": 26}
